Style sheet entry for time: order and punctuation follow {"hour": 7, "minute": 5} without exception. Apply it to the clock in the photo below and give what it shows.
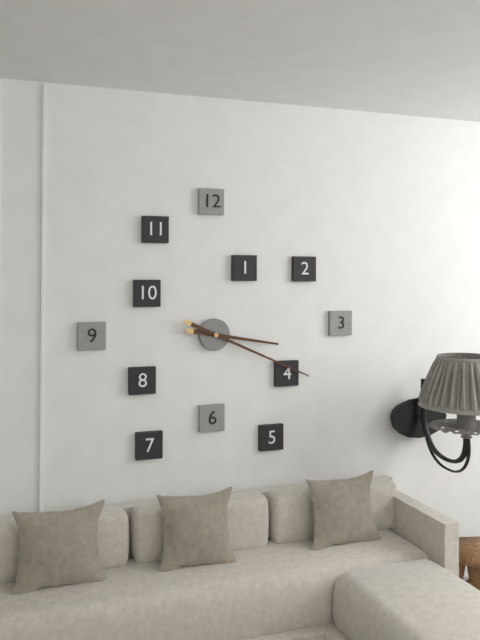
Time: {"hour": 3, "minute": 19}
